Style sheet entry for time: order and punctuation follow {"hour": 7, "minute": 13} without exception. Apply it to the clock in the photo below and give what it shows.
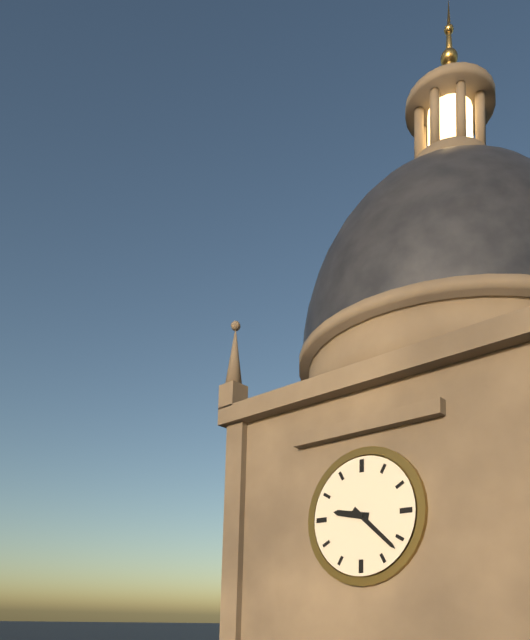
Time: {"hour": 9, "minute": 22}
